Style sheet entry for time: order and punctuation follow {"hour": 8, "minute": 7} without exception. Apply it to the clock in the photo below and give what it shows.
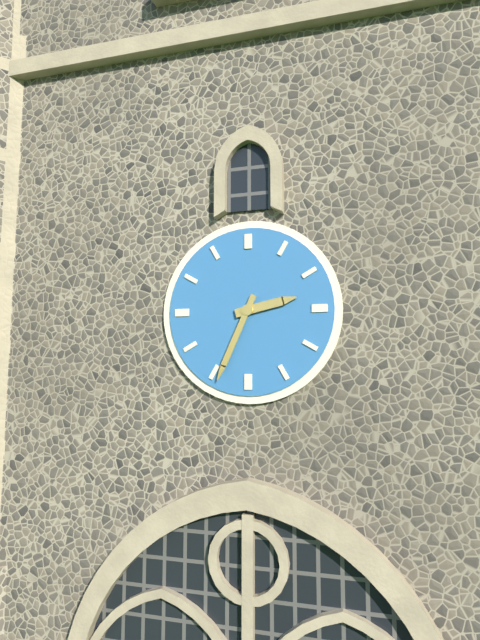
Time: {"hour": 2, "minute": 34}
